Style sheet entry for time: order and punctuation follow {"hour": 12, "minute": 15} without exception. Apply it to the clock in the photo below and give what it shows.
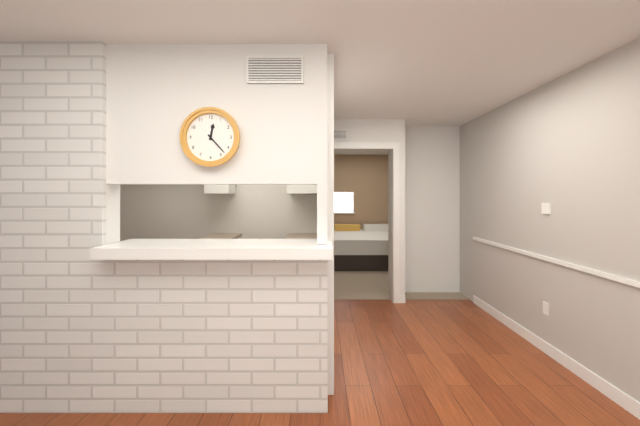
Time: {"hour": 12, "minute": 23}
